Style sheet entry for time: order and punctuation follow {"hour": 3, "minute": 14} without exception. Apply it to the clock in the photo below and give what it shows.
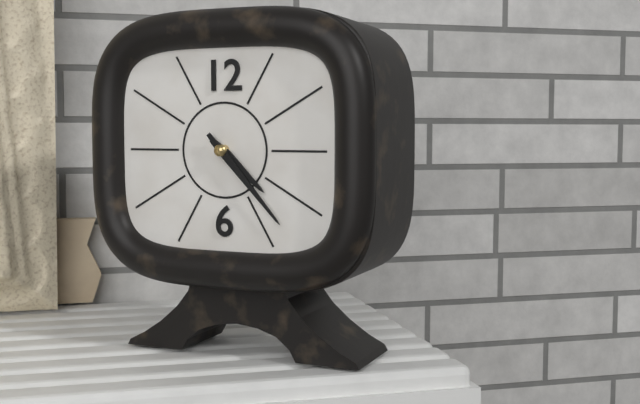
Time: {"hour": 4, "minute": 23}
